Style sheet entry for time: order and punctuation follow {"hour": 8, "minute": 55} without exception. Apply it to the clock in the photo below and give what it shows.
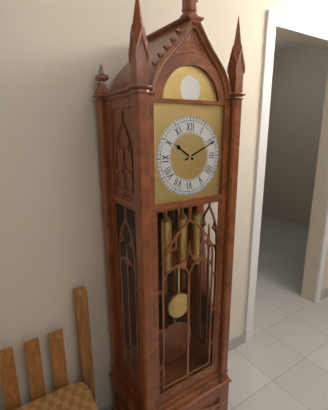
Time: {"hour": 10, "minute": 11}
